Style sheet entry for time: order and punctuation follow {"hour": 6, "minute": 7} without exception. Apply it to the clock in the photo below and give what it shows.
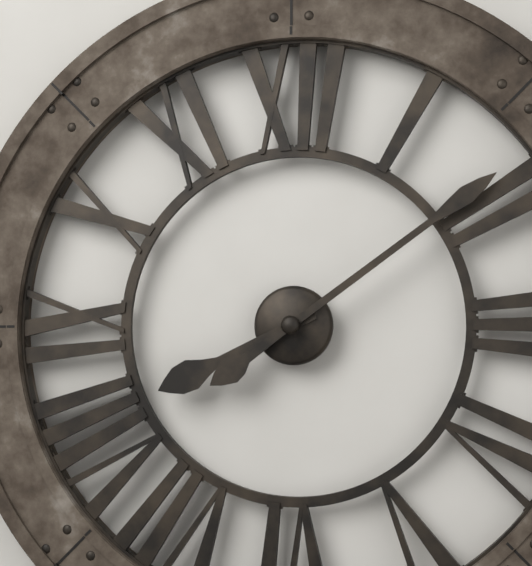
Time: {"hour": 8, "minute": 9}
